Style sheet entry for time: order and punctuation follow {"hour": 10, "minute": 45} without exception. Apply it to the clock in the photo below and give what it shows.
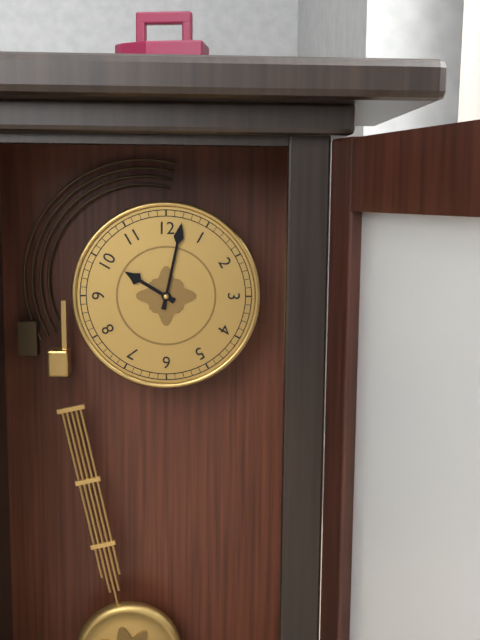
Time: {"hour": 10, "minute": 2}
